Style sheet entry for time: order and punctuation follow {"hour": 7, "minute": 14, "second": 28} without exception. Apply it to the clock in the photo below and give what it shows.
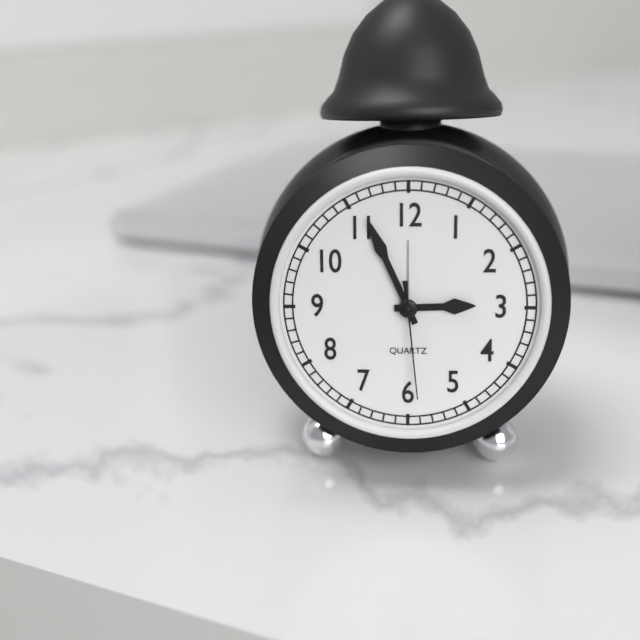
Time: {"hour": 2, "minute": 56, "second": 29}
